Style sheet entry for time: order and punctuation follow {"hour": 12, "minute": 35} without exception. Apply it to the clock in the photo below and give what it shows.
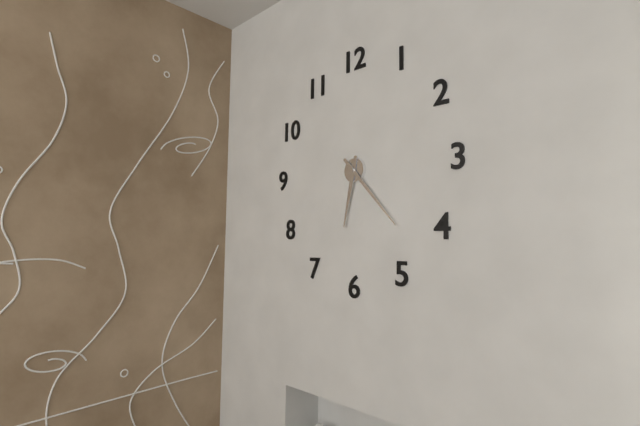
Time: {"hour": 6, "minute": 23}
